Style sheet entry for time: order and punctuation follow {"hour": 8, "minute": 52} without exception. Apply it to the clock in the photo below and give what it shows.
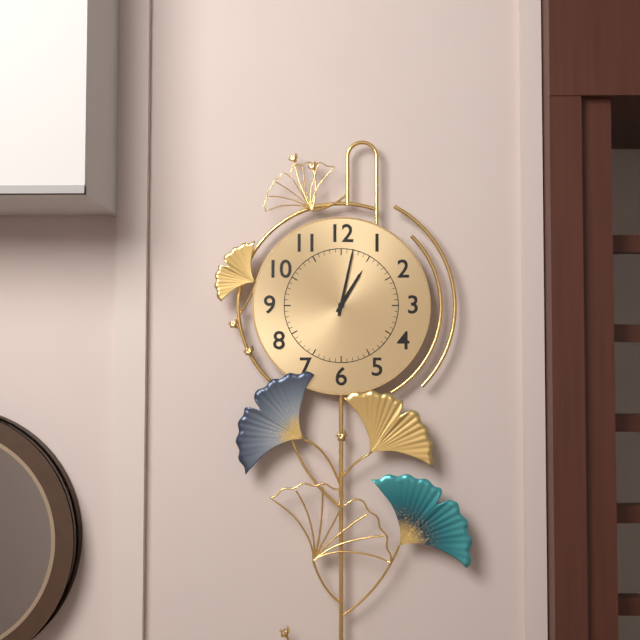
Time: {"hour": 1, "minute": 2}
